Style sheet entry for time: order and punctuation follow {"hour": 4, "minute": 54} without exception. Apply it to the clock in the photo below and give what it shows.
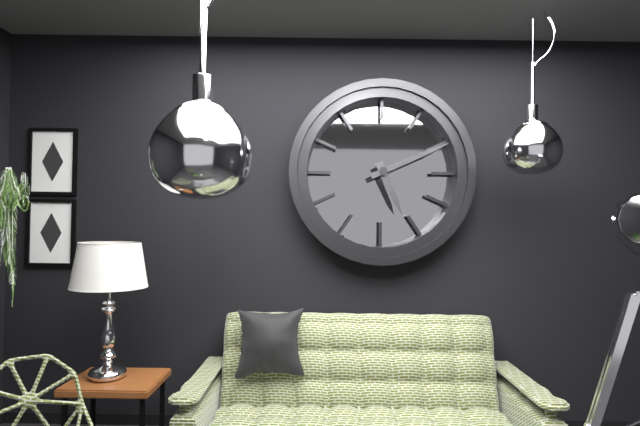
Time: {"hour": 5, "minute": 11}
